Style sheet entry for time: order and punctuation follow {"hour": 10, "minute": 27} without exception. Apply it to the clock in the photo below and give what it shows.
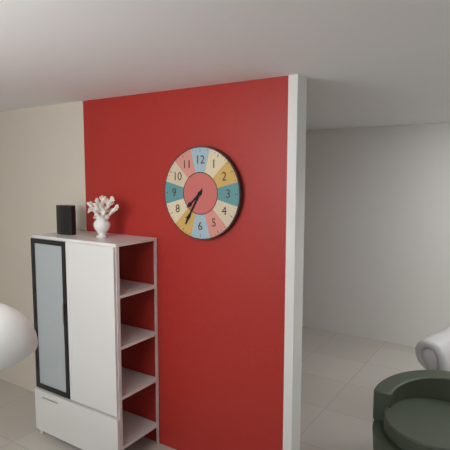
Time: {"hour": 7, "minute": 35}
